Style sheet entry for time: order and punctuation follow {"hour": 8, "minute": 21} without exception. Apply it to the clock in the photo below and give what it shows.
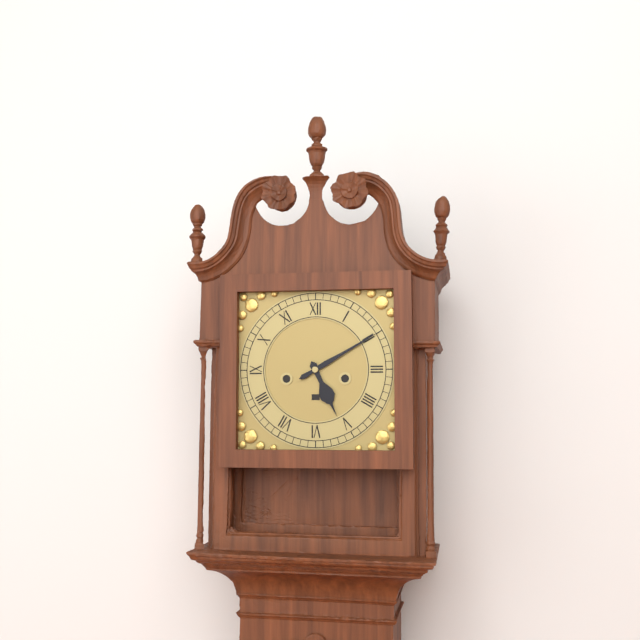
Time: {"hour": 5, "minute": 10}
